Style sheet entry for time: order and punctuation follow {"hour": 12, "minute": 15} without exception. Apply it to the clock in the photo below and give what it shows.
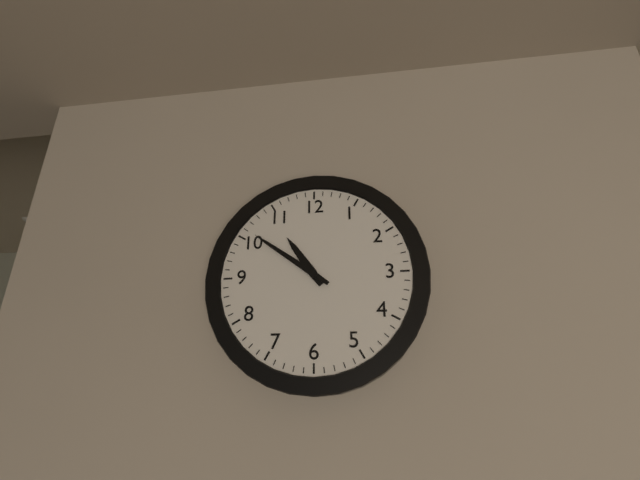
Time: {"hour": 10, "minute": 51}
